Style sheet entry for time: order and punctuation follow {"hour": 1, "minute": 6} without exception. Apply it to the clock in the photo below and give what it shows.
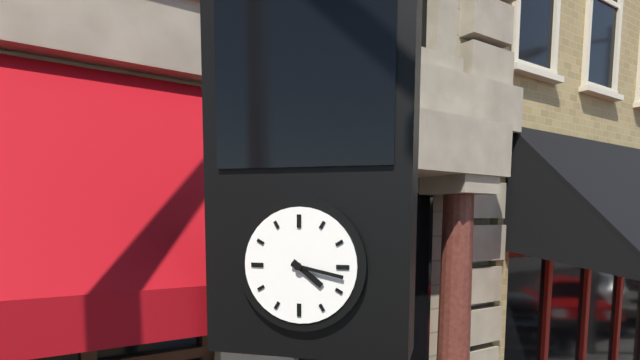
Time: {"hour": 4, "minute": 17}
